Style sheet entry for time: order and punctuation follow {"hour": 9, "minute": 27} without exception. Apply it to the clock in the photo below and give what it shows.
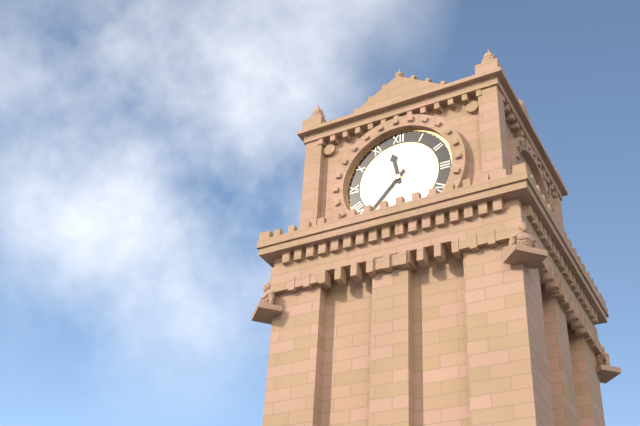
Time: {"hour": 11, "minute": 37}
